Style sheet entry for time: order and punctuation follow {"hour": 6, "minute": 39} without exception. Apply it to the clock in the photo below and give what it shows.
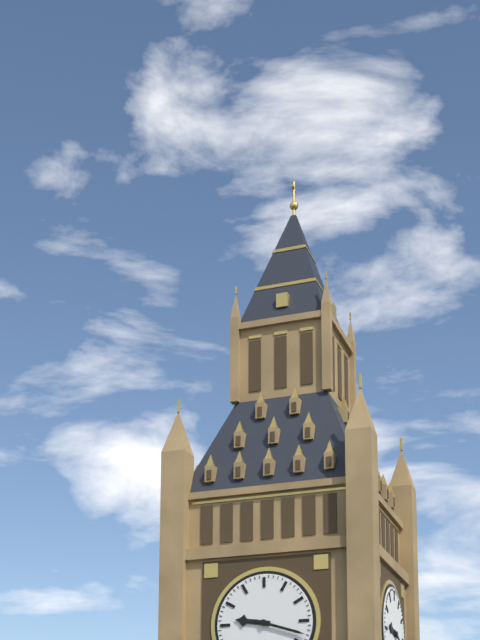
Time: {"hour": 9, "minute": 18}
